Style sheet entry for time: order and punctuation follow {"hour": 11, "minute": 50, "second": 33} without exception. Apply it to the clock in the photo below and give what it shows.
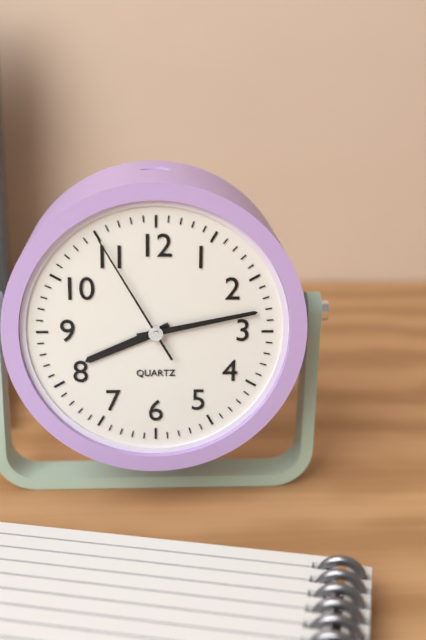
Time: {"hour": 8, "minute": 13, "second": 55}
